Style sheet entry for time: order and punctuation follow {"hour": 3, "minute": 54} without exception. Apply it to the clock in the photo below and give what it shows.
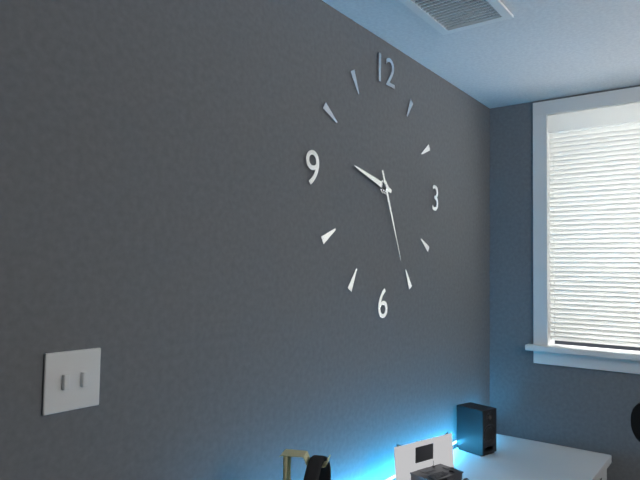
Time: {"hour": 9, "minute": 26}
